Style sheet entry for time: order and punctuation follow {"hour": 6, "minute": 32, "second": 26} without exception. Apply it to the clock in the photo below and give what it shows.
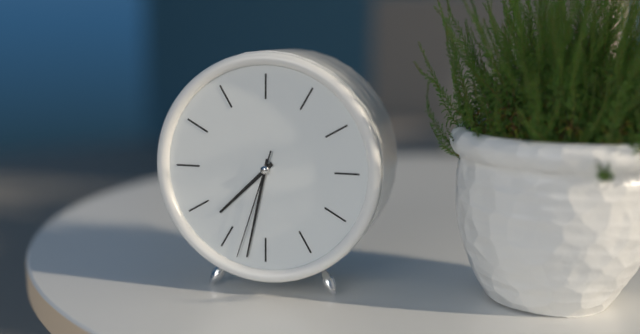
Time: {"hour": 7, "minute": 32, "second": 33}
